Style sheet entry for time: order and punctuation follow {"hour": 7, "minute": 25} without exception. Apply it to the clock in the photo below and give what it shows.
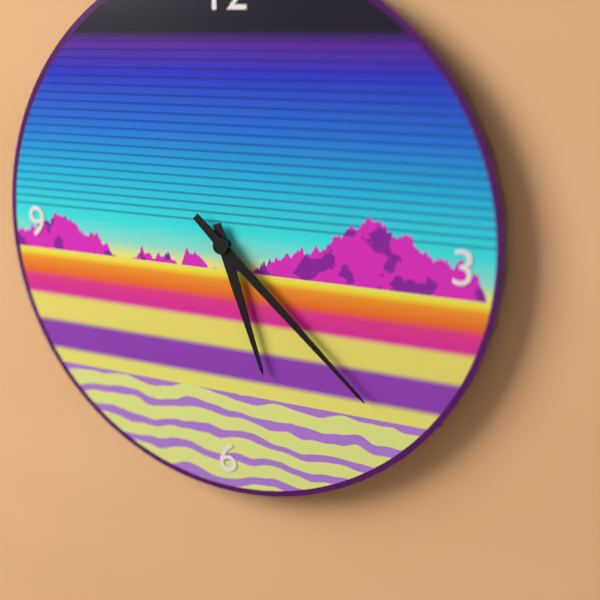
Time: {"hour": 5, "minute": 22}
